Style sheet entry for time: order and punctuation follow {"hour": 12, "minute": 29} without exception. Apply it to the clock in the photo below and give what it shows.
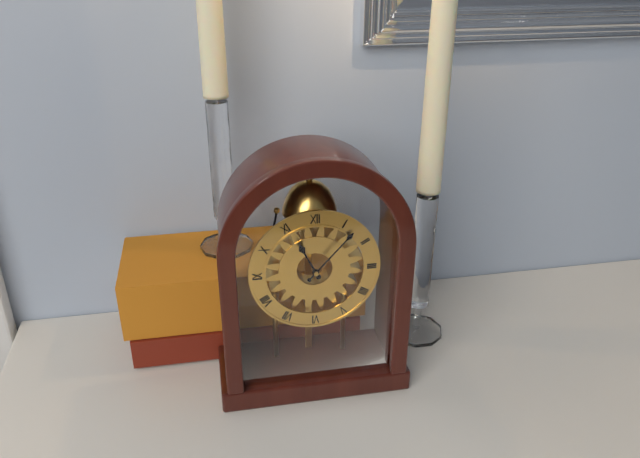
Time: {"hour": 11, "minute": 7}
